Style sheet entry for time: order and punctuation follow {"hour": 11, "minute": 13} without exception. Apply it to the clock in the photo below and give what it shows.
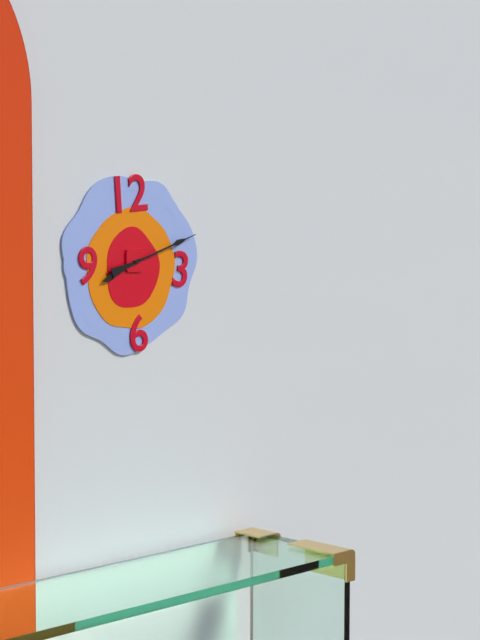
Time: {"hour": 8, "minute": 12}
